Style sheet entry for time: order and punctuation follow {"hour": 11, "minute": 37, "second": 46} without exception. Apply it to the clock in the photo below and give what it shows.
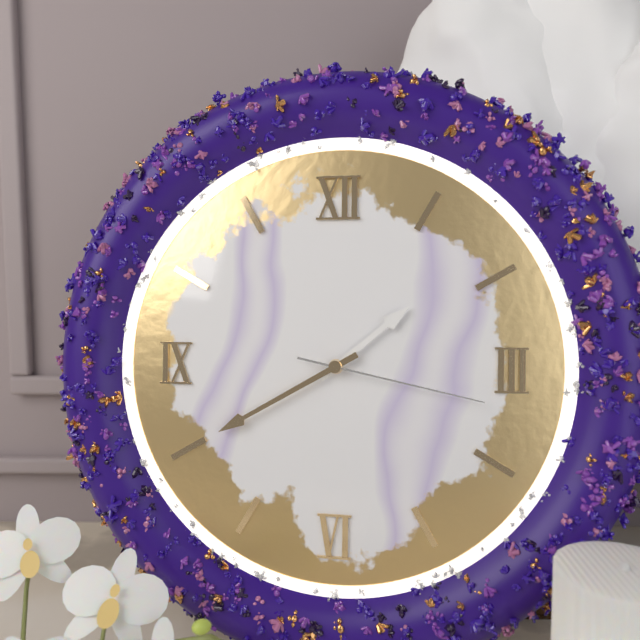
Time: {"hour": 1, "minute": 40, "second": 17}
